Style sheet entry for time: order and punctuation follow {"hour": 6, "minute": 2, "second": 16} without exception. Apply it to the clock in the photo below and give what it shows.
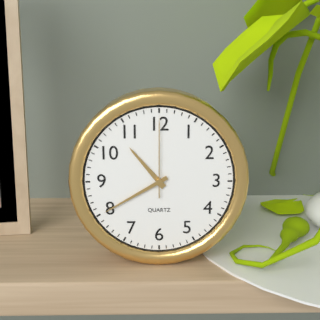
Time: {"hour": 10, "minute": 40, "second": 0}
